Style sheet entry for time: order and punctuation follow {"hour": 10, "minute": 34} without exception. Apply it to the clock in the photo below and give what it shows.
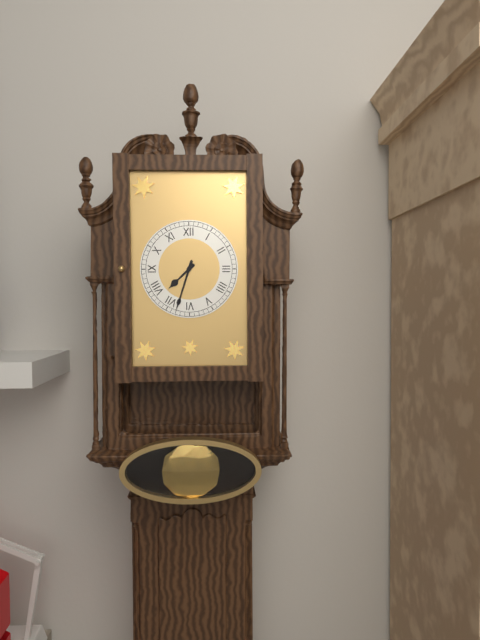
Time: {"hour": 7, "minute": 33}
